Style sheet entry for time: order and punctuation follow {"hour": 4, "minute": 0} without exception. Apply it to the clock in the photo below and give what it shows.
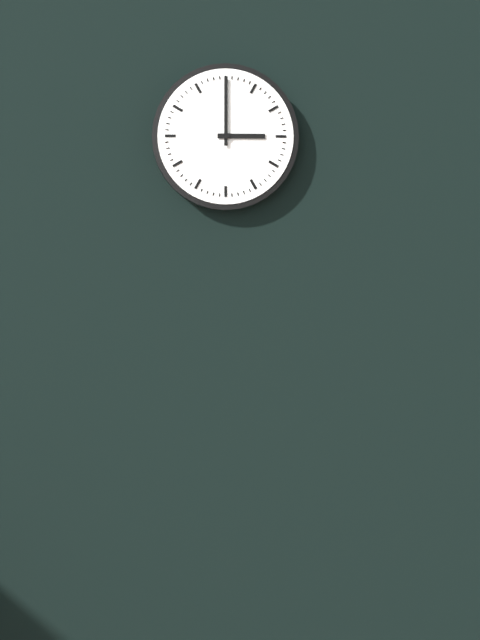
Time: {"hour": 3, "minute": 0}
